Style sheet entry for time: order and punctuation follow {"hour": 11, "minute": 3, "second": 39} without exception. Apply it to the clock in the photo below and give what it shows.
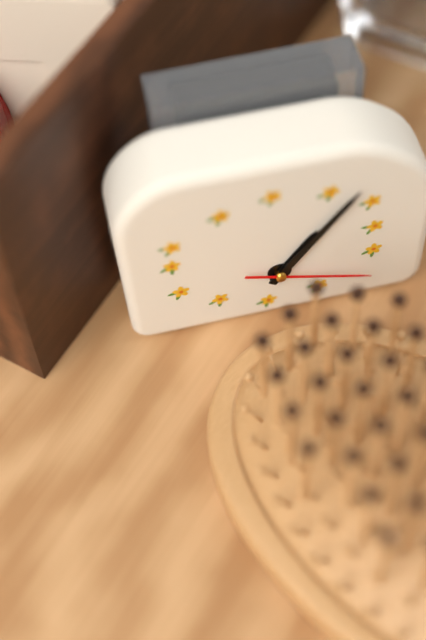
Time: {"hour": 1, "minute": 6, "second": 18}
